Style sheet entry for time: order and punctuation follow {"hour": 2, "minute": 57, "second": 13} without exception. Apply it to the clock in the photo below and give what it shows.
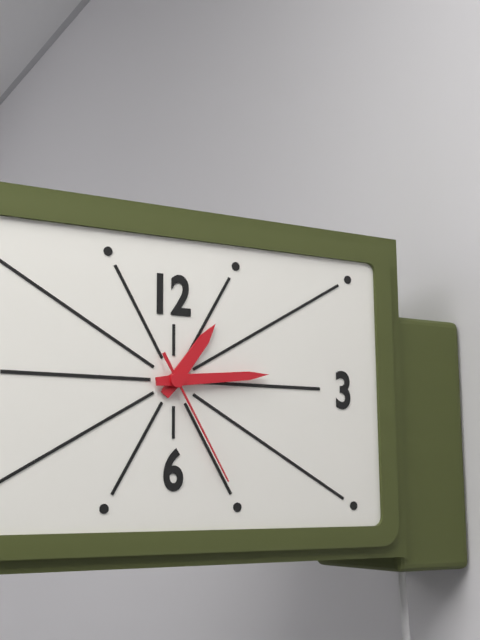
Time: {"hour": 1, "minute": 14, "second": 25}
